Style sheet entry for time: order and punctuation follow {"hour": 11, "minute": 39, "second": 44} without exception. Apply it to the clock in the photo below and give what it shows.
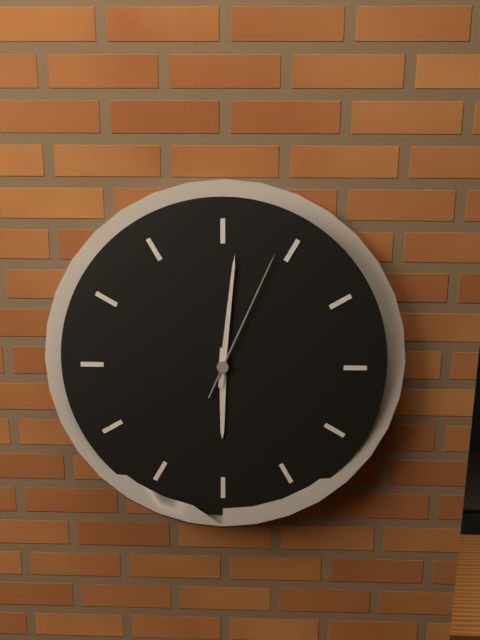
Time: {"hour": 6, "minute": 1, "second": 4}
